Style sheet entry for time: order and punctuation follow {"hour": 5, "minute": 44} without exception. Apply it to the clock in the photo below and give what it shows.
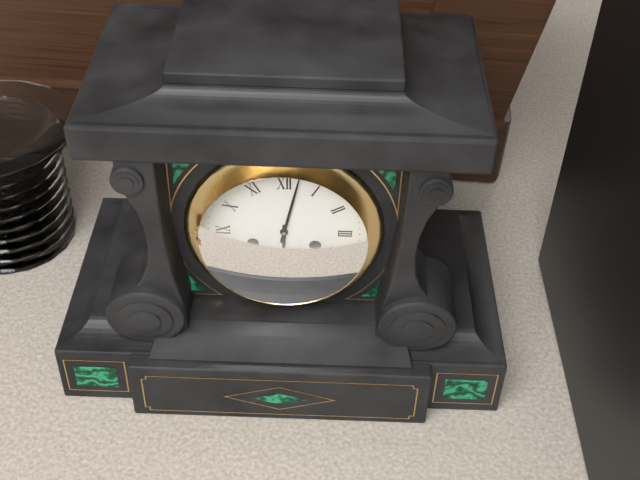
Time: {"hour": 6, "minute": 2}
